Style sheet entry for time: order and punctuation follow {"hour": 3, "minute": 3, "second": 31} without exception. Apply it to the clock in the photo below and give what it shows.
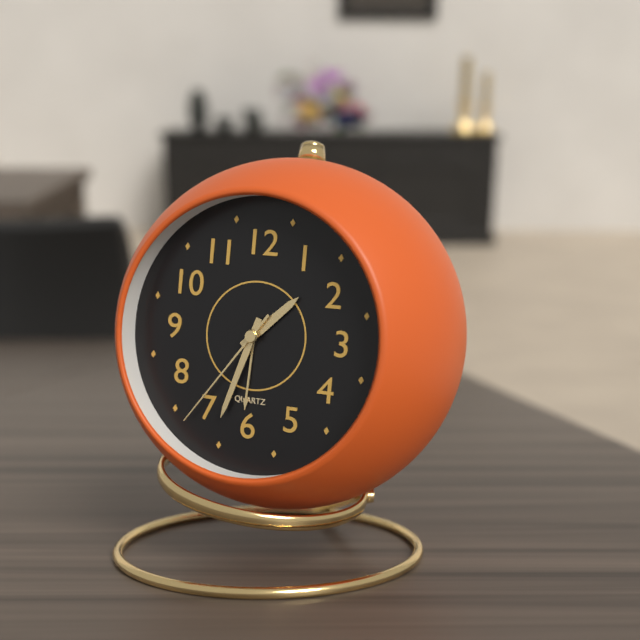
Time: {"hour": 1, "minute": 33, "second": 36}
